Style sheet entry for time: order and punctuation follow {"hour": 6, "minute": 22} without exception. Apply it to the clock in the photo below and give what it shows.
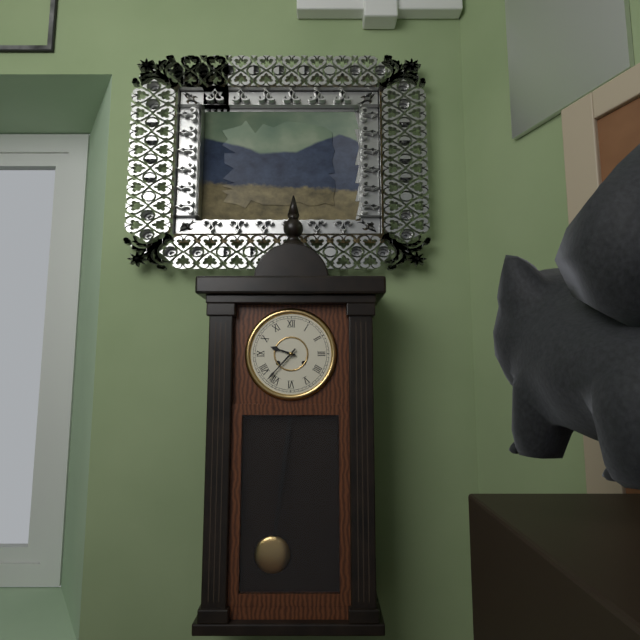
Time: {"hour": 9, "minute": 37}
